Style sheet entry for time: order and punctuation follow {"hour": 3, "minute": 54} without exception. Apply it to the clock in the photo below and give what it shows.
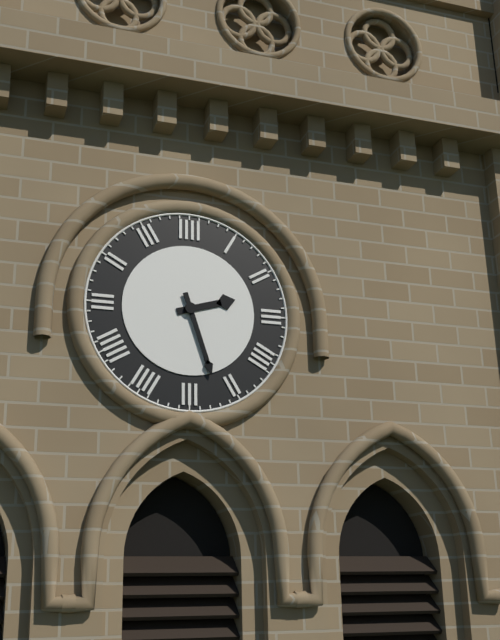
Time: {"hour": 2, "minute": 27}
